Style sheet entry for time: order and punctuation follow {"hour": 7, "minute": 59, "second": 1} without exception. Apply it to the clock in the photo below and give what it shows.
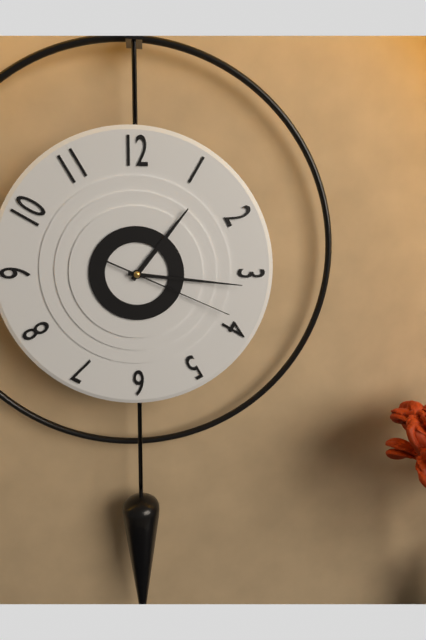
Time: {"hour": 1, "minute": 16, "second": 19}
